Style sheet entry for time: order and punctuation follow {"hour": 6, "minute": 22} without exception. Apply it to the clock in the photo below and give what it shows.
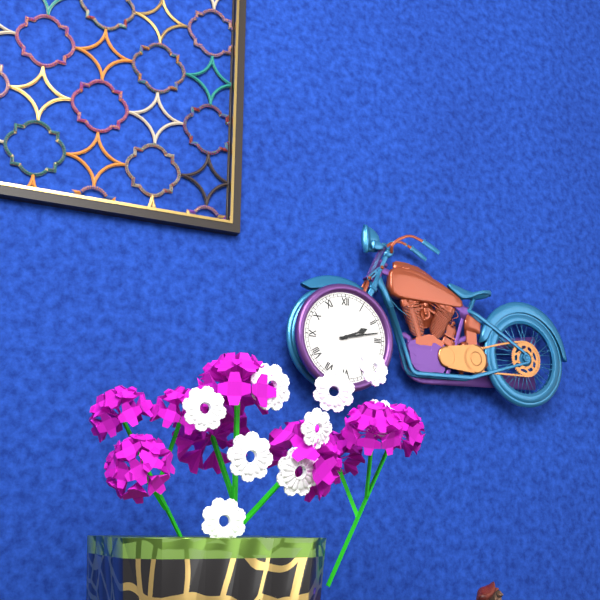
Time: {"hour": 2, "minute": 13}
